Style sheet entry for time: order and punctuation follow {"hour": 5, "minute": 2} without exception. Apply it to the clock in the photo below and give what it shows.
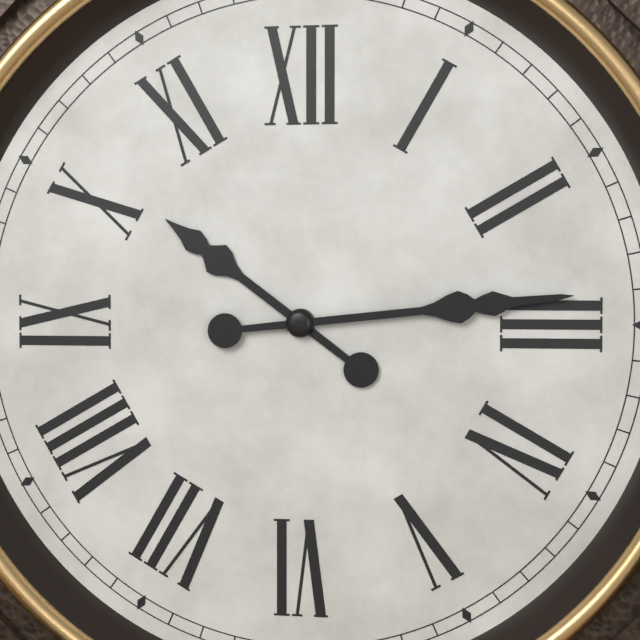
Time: {"hour": 10, "minute": 14}
